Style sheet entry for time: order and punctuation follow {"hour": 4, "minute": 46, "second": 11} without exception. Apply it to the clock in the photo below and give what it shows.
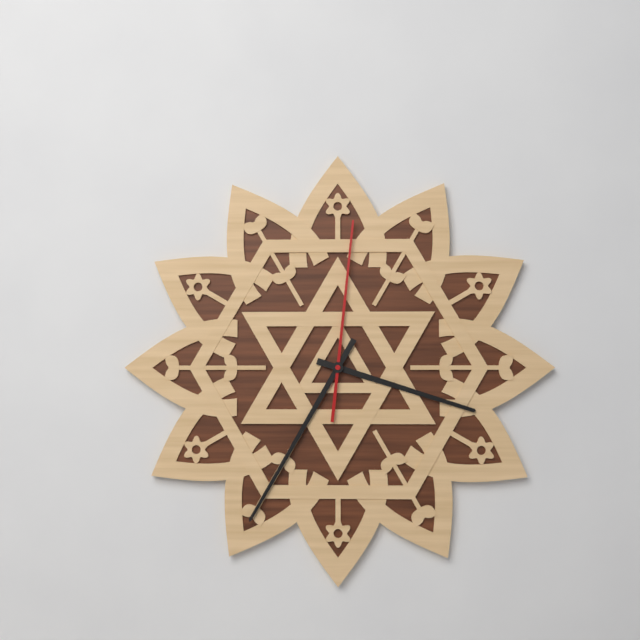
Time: {"hour": 3, "minute": 35, "second": 1}
